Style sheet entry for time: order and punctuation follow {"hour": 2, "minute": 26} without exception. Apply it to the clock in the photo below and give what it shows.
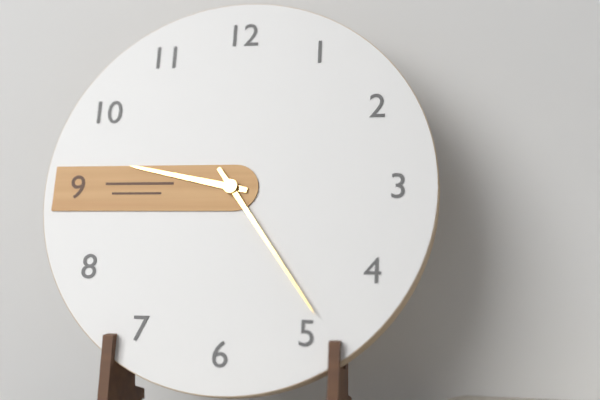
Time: {"hour": 9, "minute": 24}
